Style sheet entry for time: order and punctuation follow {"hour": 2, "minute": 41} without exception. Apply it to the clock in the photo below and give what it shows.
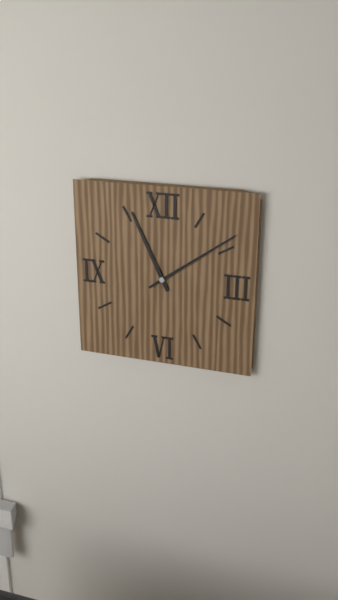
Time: {"hour": 11, "minute": 9}
